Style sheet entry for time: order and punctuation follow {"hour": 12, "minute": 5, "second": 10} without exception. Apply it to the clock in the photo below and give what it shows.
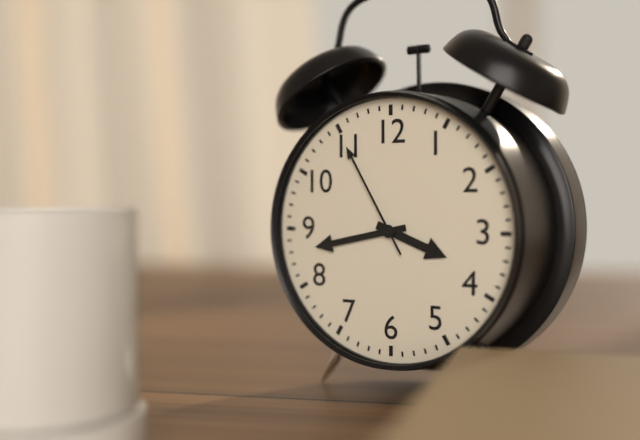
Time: {"hour": 3, "minute": 43, "second": 55}
